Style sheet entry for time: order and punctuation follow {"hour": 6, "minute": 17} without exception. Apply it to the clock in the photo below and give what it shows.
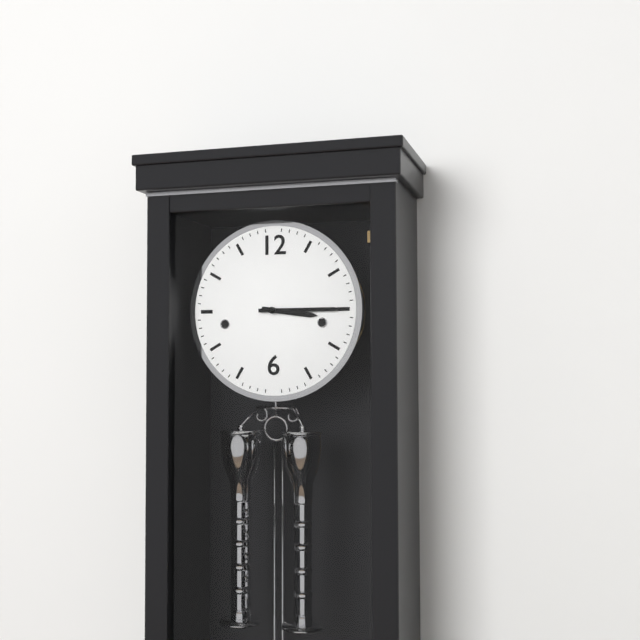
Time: {"hour": 3, "minute": 15}
